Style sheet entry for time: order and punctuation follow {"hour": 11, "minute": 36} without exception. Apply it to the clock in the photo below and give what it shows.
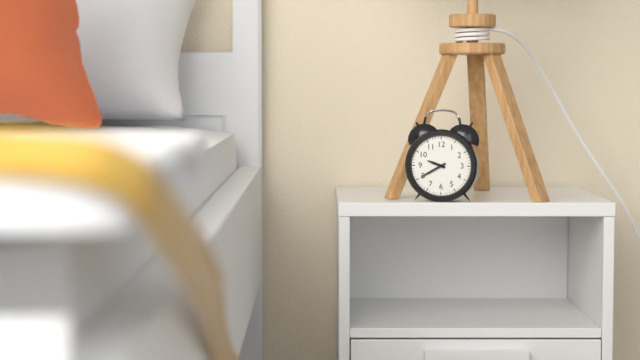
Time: {"hour": 9, "minute": 40}
